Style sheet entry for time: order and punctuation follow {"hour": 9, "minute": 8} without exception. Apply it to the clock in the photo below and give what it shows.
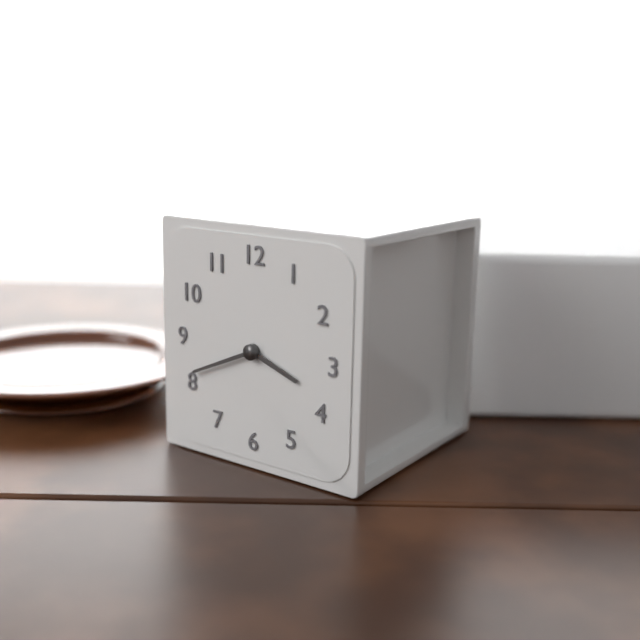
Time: {"hour": 3, "minute": 41}
